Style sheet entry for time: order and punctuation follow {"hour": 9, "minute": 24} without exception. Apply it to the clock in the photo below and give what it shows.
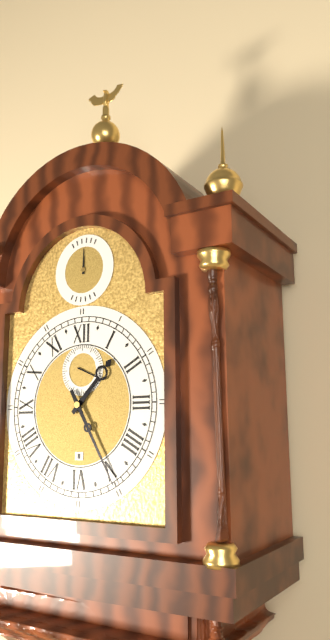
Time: {"hour": 1, "minute": 25}
